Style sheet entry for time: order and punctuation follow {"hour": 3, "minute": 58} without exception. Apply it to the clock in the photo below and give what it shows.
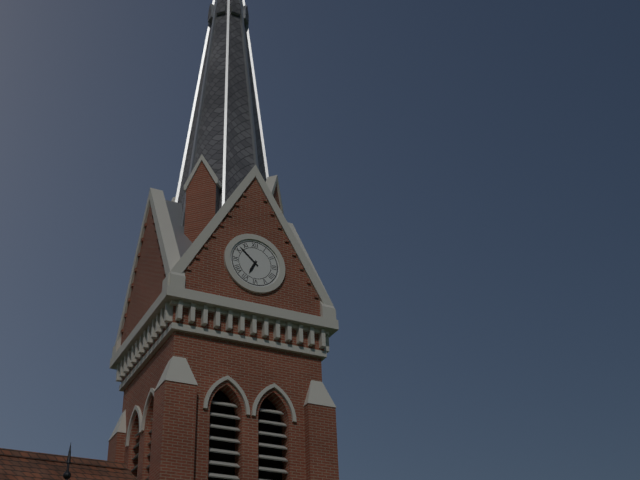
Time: {"hour": 6, "minute": 52}
